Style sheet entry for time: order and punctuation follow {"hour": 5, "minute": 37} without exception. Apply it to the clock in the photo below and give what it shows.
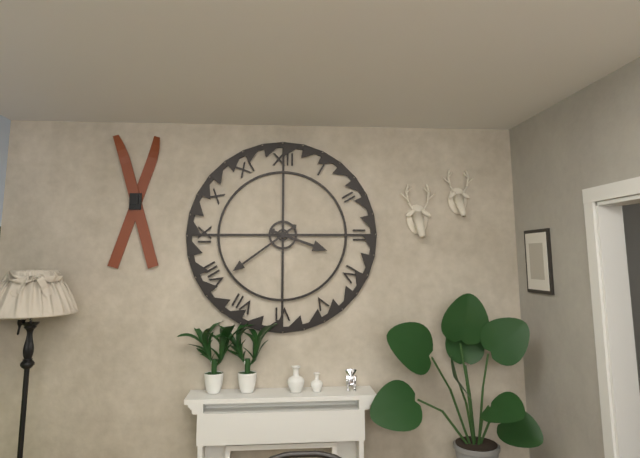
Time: {"hour": 3, "minute": 39}
